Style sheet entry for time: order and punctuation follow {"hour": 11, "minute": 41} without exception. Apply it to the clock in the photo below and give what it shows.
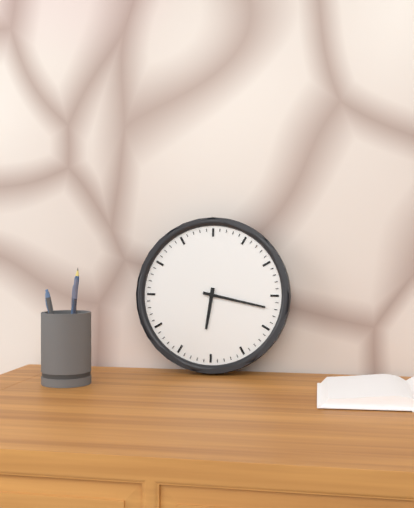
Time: {"hour": 6, "minute": 17}
